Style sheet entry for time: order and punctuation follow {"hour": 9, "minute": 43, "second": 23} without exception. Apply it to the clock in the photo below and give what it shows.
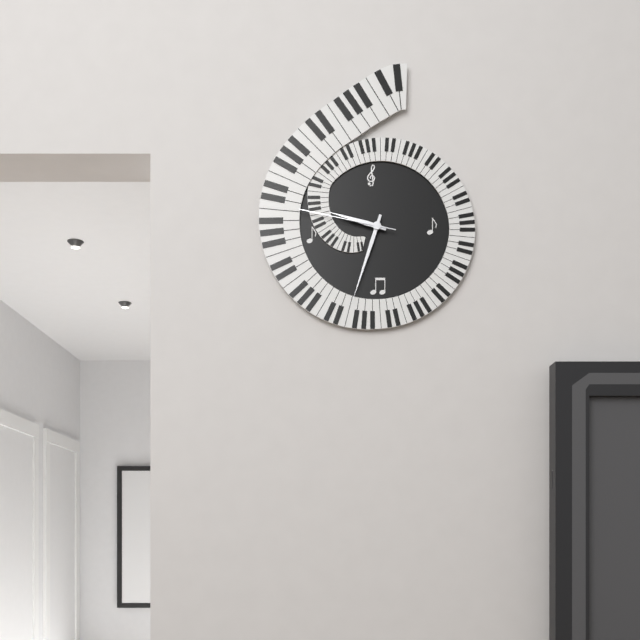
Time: {"hour": 9, "minute": 33, "second": 47}
